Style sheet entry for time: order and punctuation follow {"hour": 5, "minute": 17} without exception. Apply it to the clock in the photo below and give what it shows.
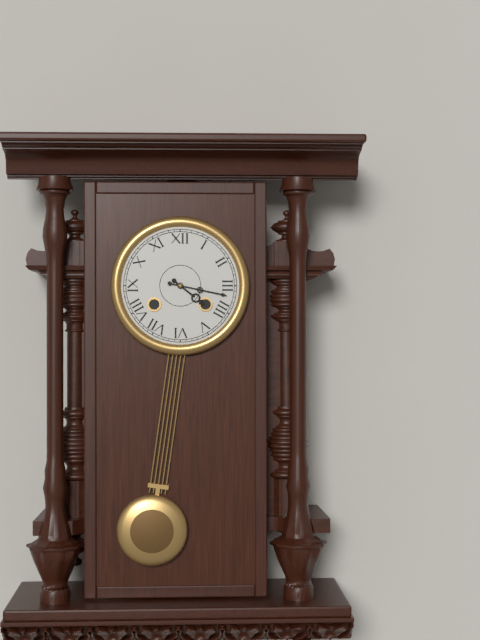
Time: {"hour": 4, "minute": 17}
